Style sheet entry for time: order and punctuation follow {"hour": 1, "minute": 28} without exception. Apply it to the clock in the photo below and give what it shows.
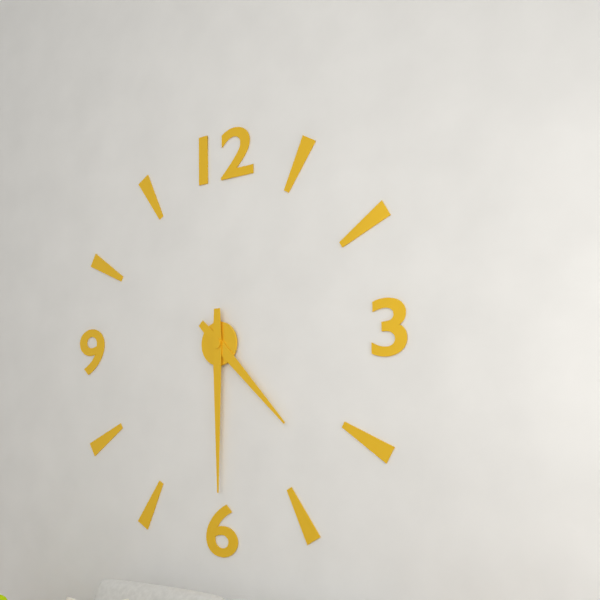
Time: {"hour": 4, "minute": 30}
